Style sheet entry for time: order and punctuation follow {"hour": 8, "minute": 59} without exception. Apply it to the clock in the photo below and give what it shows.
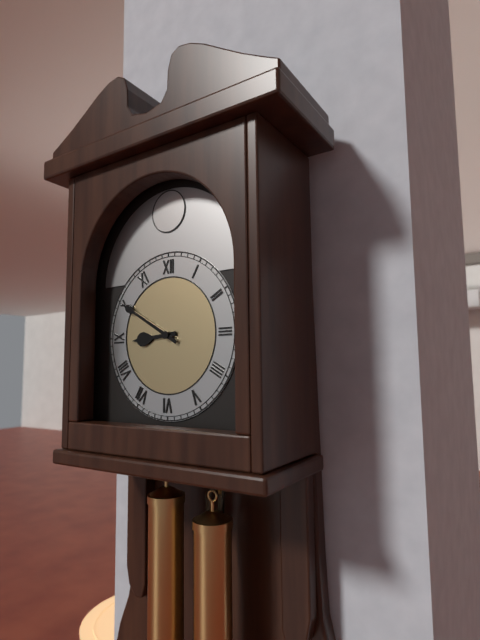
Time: {"hour": 8, "minute": 50}
